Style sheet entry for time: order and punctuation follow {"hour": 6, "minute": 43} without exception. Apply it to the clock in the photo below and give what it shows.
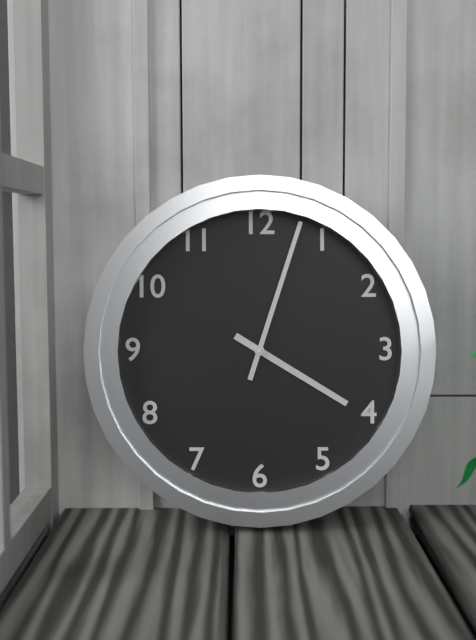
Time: {"hour": 4, "minute": 3}
